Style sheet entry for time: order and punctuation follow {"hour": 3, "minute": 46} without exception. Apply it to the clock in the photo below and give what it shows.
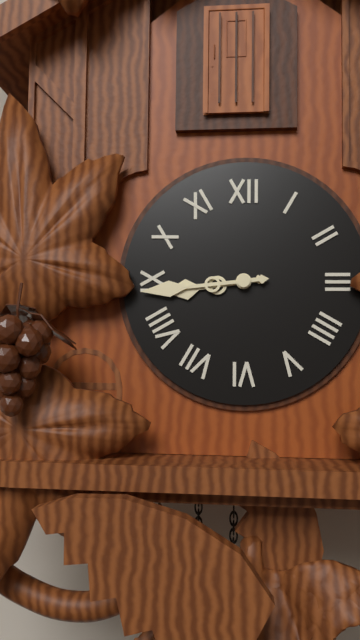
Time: {"hour": 8, "minute": 44}
